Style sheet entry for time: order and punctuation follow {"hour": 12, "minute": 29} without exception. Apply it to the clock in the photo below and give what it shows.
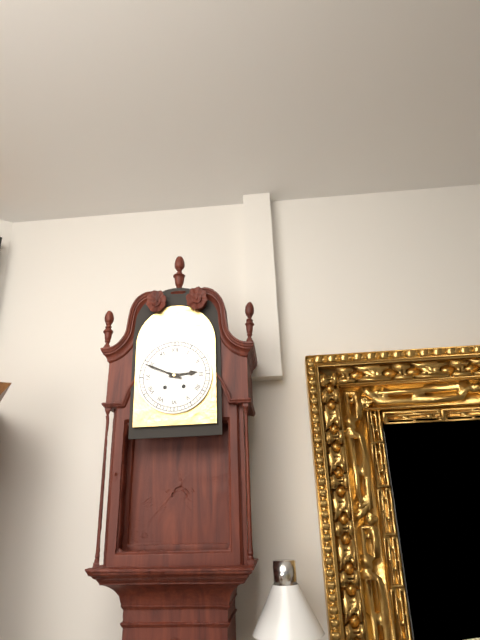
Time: {"hour": 2, "minute": 49}
